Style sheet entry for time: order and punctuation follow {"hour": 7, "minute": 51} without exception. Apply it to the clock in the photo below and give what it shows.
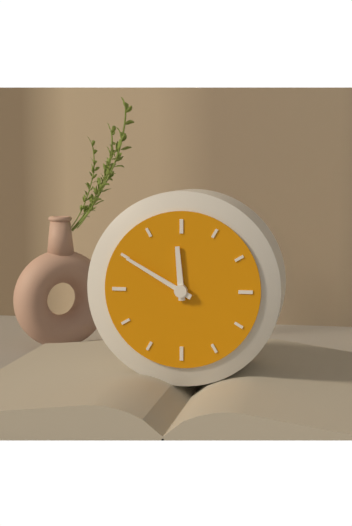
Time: {"hour": 11, "minute": 50}
